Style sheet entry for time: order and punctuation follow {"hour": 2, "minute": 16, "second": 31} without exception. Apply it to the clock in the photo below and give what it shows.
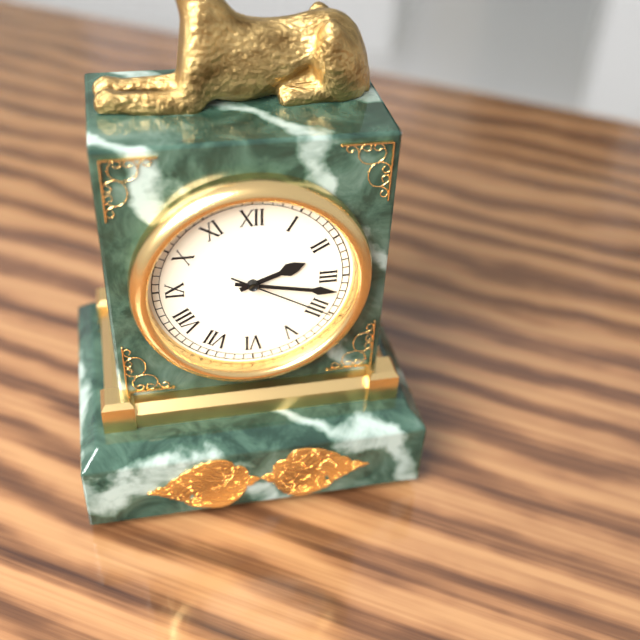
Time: {"hour": 2, "minute": 17, "second": 20}
